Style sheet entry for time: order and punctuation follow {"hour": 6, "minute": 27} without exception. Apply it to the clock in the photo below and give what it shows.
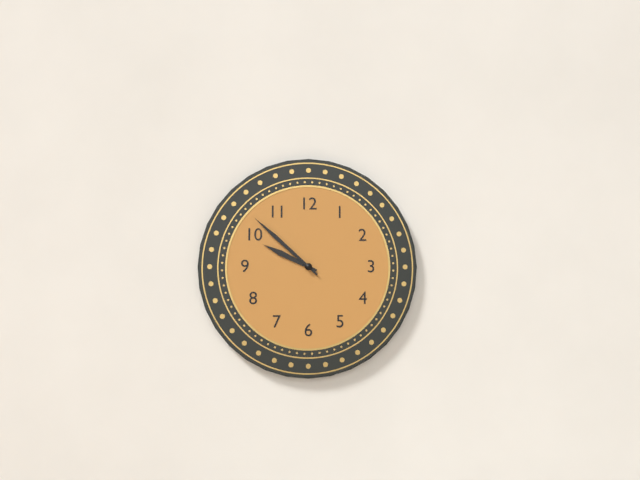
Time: {"hour": 9, "minute": 52}
